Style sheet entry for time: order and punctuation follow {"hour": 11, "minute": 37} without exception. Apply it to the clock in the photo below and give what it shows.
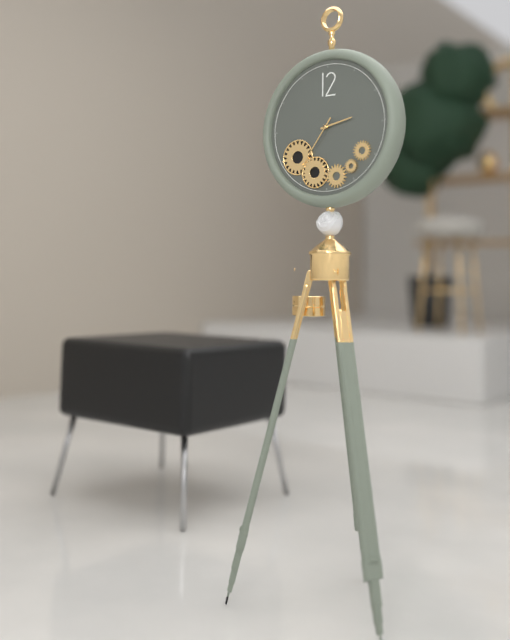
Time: {"hour": 2, "minute": 36}
